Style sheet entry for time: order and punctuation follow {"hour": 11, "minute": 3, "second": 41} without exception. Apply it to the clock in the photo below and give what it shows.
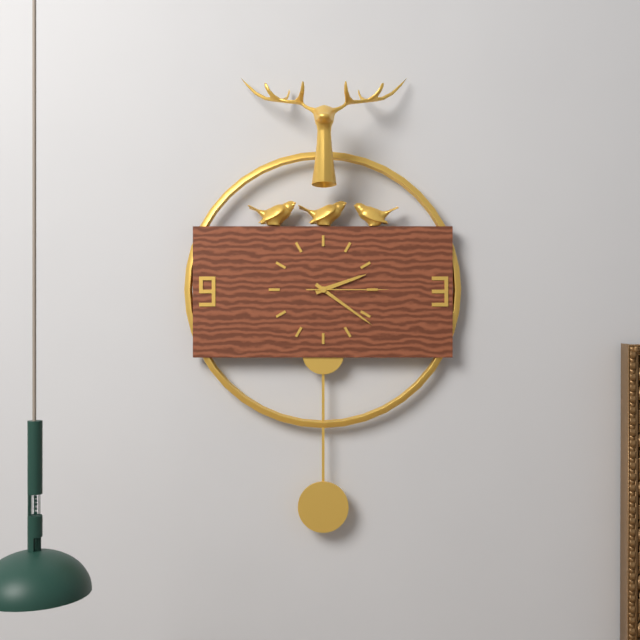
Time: {"hour": 2, "minute": 21, "second": 15}
